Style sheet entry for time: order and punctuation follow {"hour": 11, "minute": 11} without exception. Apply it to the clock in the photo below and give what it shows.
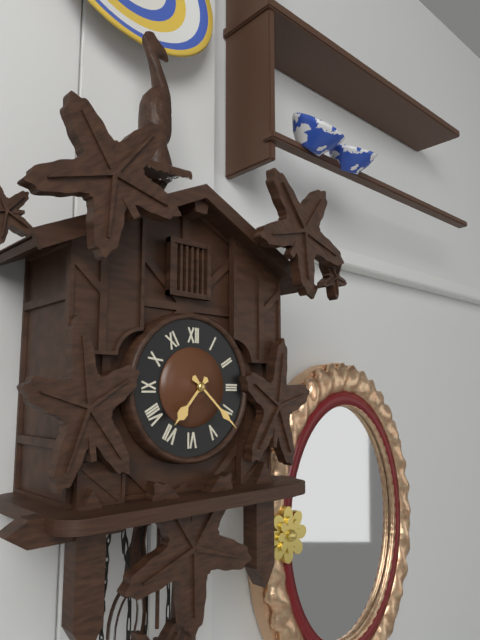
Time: {"hour": 7, "minute": 22}
